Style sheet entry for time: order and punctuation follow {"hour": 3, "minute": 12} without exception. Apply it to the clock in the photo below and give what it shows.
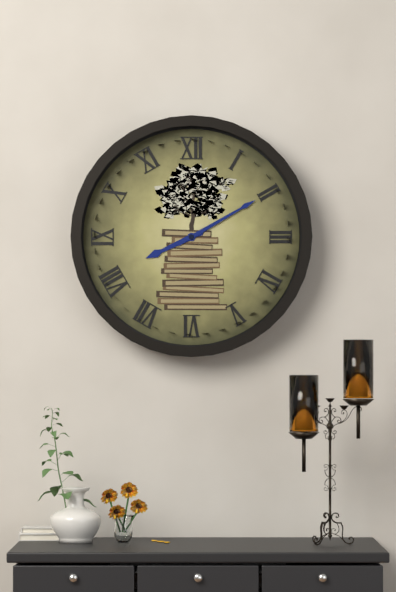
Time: {"hour": 8, "minute": 10}
